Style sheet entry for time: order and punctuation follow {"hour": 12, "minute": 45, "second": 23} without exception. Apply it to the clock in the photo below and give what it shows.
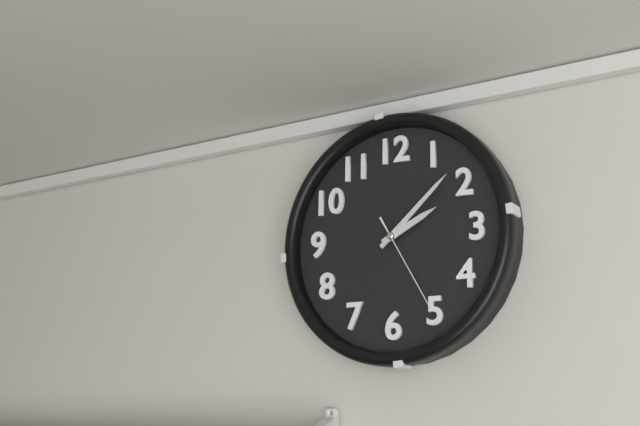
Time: {"hour": 2, "minute": 8, "second": 25}
